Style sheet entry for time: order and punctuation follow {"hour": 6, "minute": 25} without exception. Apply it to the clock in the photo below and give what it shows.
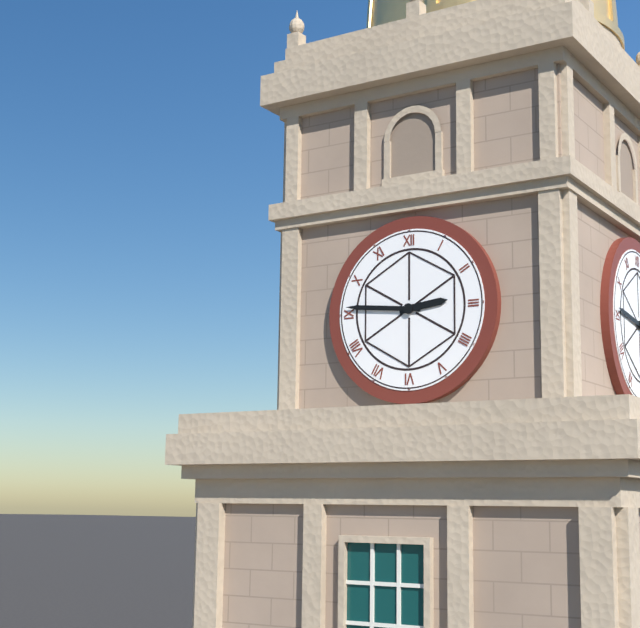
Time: {"hour": 2, "minute": 46}
